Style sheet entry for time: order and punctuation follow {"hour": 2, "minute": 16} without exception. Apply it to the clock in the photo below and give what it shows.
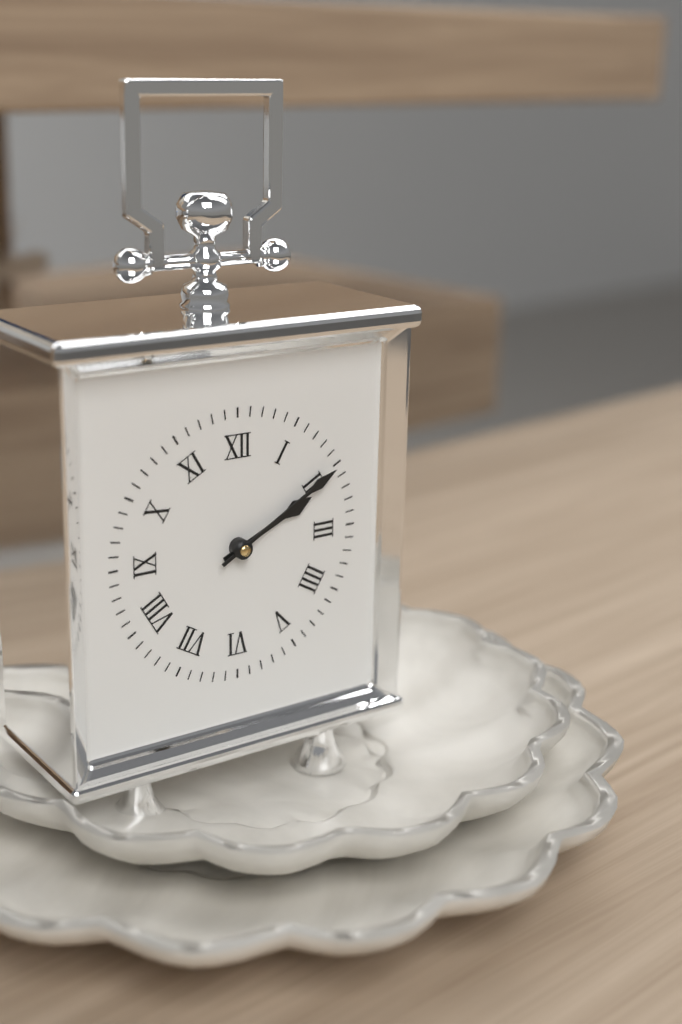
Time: {"hour": 2, "minute": 10}
